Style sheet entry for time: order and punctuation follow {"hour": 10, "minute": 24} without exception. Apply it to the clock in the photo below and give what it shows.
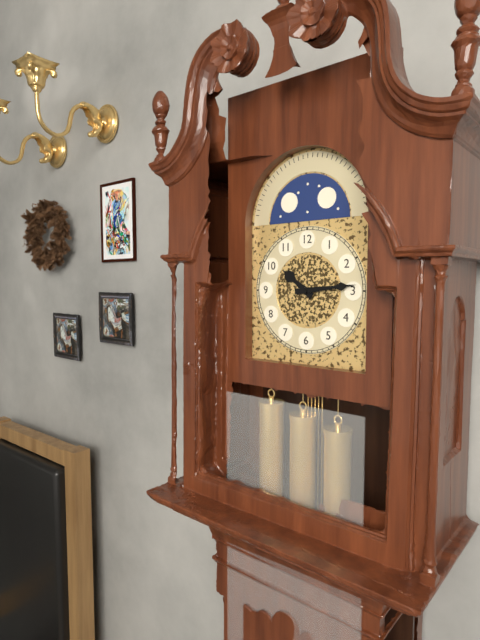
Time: {"hour": 10, "minute": 14}
